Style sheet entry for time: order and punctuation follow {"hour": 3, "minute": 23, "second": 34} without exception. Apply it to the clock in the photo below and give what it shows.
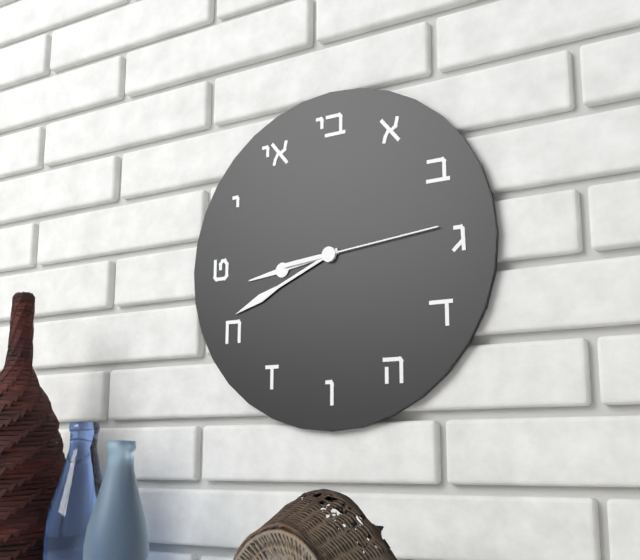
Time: {"hour": 8, "minute": 41, "second": 14}
